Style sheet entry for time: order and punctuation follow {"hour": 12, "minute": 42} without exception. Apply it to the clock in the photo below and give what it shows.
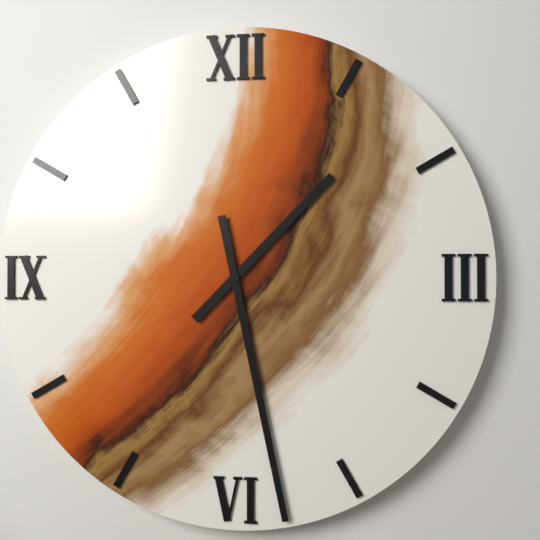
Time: {"hour": 1, "minute": 28}
